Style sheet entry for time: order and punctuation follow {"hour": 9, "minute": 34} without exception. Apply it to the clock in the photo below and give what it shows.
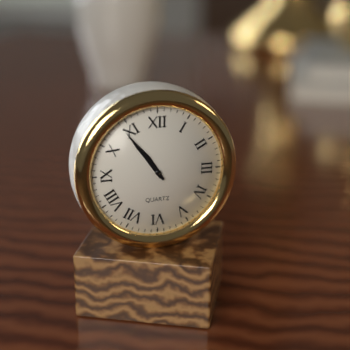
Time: {"hour": 10, "minute": 54}
